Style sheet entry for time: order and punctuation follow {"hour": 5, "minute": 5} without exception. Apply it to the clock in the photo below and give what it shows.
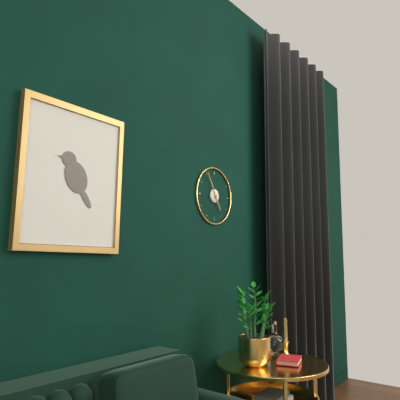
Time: {"hour": 4, "minute": 55}
